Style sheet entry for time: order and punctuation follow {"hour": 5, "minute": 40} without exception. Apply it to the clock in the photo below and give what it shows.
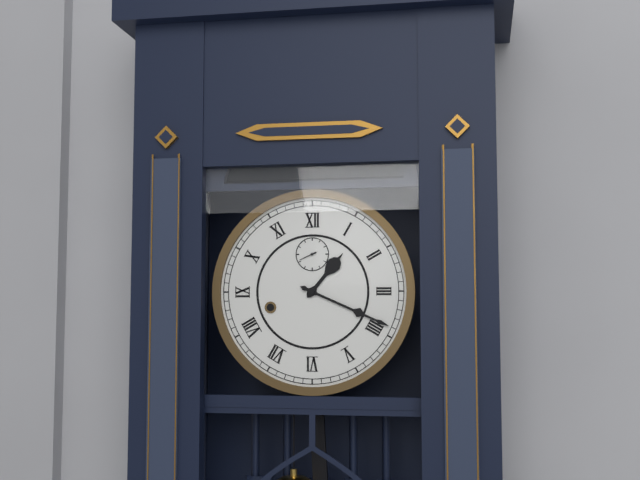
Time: {"hour": 1, "minute": 19}
